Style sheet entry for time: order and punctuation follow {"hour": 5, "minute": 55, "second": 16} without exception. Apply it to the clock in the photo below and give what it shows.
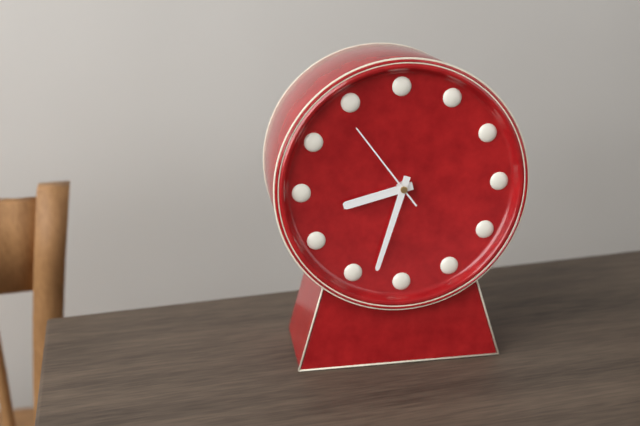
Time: {"hour": 8, "minute": 33, "second": 54}
